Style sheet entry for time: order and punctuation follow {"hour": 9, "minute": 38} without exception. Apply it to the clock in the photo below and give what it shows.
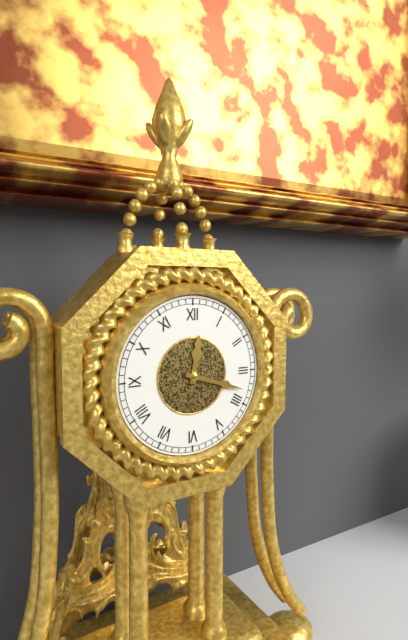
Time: {"hour": 12, "minute": 18}
